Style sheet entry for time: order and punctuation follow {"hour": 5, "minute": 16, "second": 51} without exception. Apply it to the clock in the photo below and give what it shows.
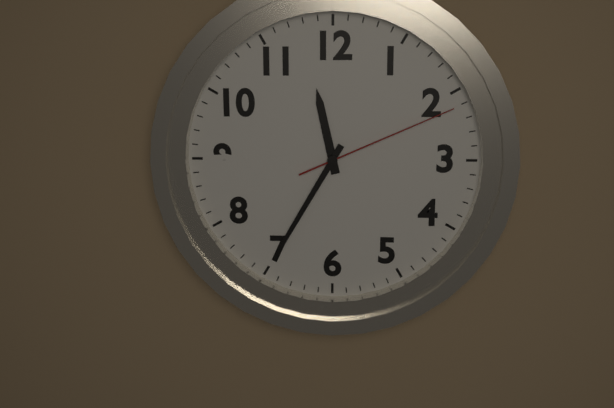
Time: {"hour": 11, "minute": 35, "second": 11}
